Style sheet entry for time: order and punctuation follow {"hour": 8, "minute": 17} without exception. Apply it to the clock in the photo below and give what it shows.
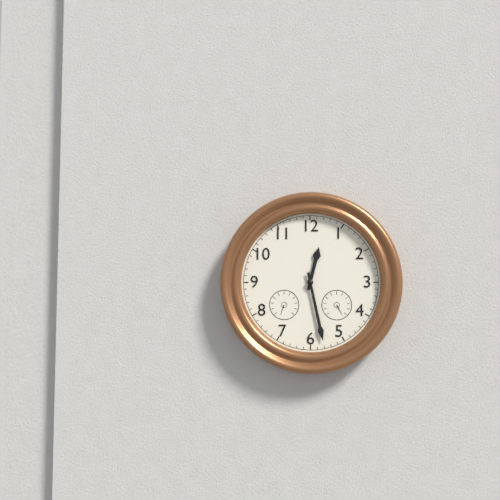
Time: {"hour": 12, "minute": 28}
